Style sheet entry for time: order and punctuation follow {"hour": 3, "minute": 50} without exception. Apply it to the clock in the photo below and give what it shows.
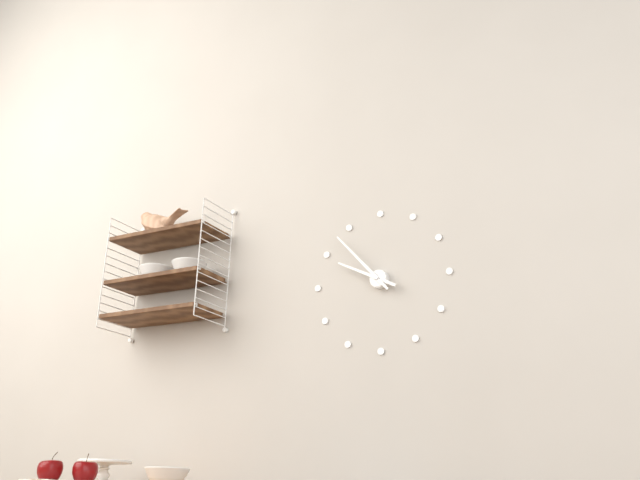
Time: {"hour": 9, "minute": 53}
